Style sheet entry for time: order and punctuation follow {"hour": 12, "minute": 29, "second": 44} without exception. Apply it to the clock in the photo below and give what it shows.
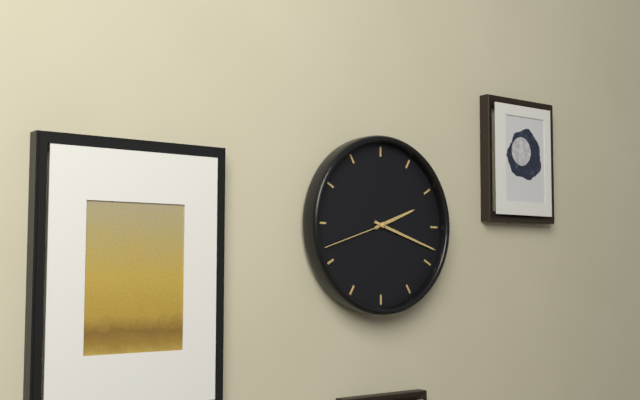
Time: {"hour": 2, "minute": 18, "second": 42}
